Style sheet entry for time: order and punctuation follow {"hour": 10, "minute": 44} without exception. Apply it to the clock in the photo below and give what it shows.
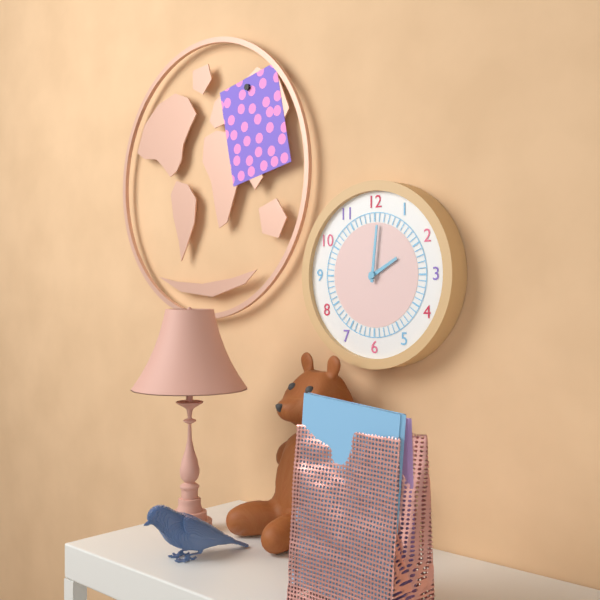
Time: {"hour": 2, "minute": 1}
